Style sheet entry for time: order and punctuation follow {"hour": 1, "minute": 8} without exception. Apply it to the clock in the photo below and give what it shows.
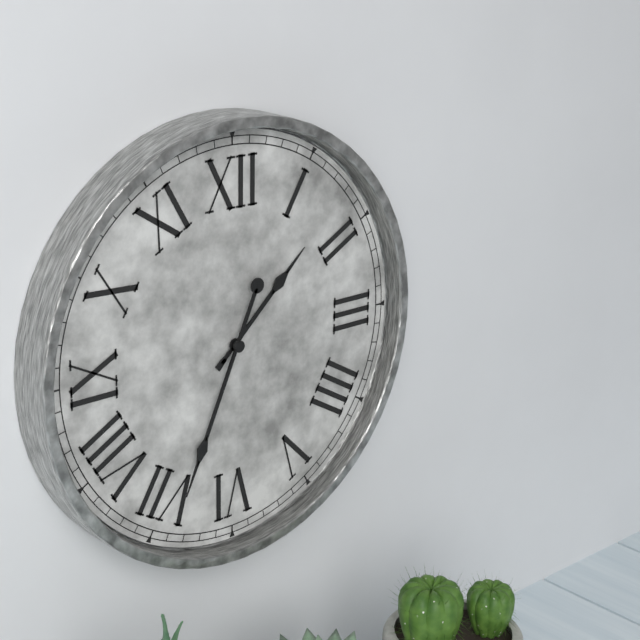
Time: {"hour": 1, "minute": 34}
